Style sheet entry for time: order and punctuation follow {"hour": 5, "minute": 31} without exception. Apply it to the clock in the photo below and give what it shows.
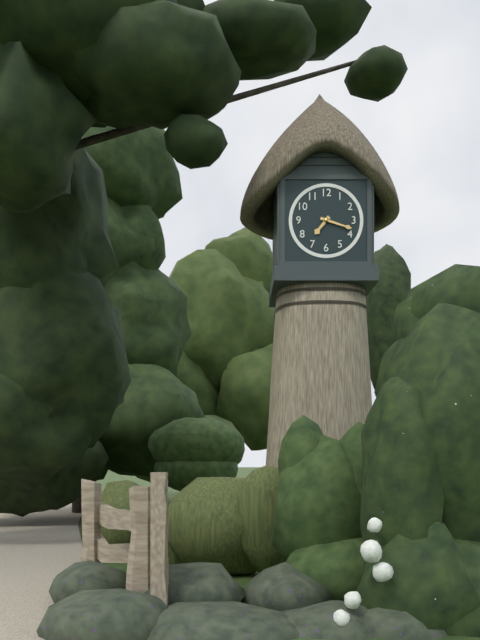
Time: {"hour": 7, "minute": 18}
